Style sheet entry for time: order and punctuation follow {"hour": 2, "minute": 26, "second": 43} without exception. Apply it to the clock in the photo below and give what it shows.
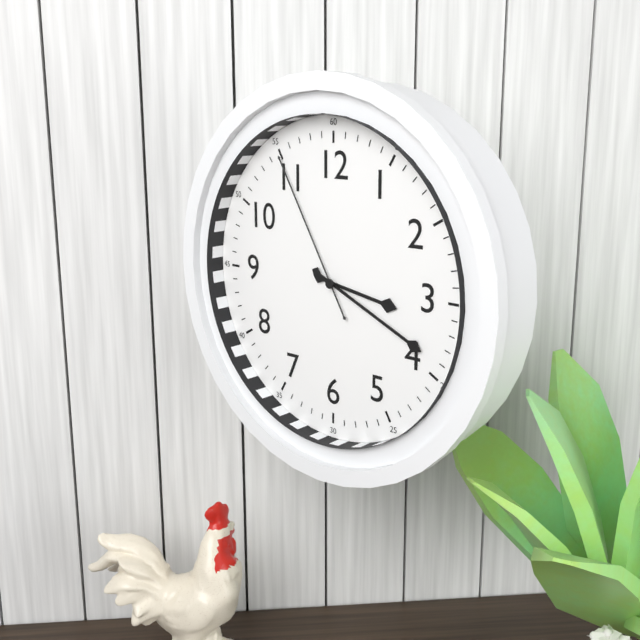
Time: {"hour": 3, "minute": 19, "second": 55}
